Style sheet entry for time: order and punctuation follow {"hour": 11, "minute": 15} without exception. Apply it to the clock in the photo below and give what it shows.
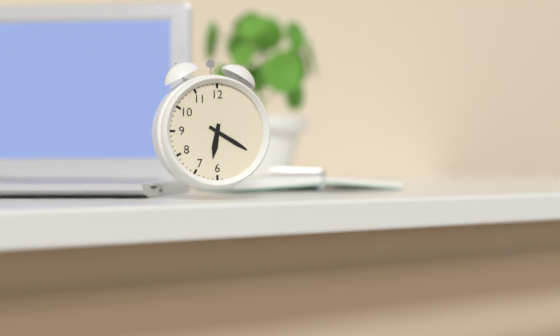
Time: {"hour": 6, "minute": 20}
